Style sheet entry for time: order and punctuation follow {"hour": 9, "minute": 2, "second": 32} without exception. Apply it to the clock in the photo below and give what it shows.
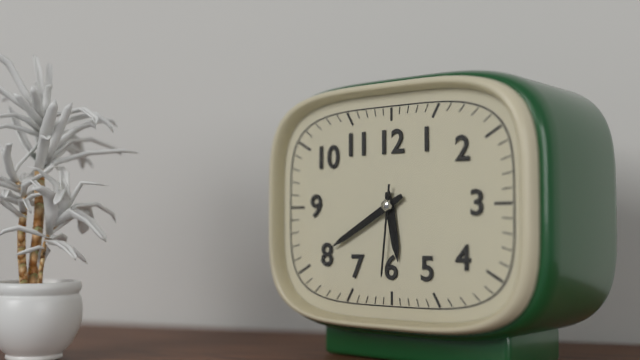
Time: {"hour": 5, "minute": 40, "second": 31}
